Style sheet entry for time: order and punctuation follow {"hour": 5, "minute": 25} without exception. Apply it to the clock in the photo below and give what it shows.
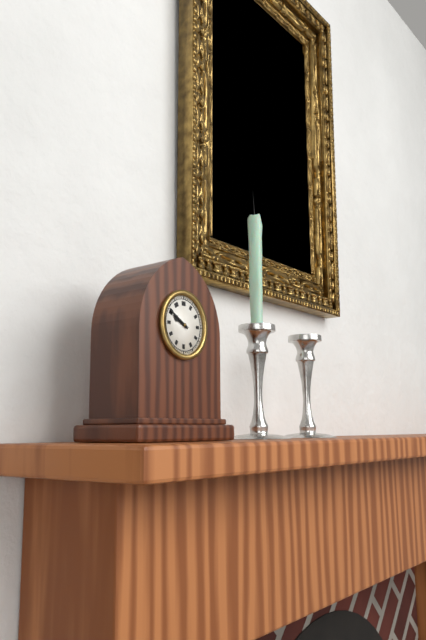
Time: {"hour": 9, "minute": 50}
